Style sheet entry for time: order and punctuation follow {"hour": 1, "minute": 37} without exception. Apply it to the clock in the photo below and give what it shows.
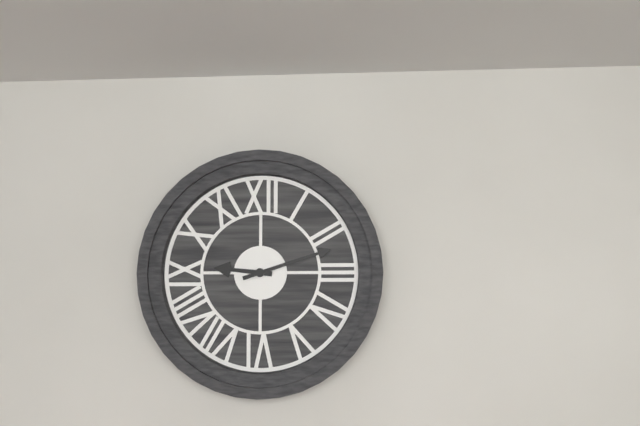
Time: {"hour": 9, "minute": 12}
